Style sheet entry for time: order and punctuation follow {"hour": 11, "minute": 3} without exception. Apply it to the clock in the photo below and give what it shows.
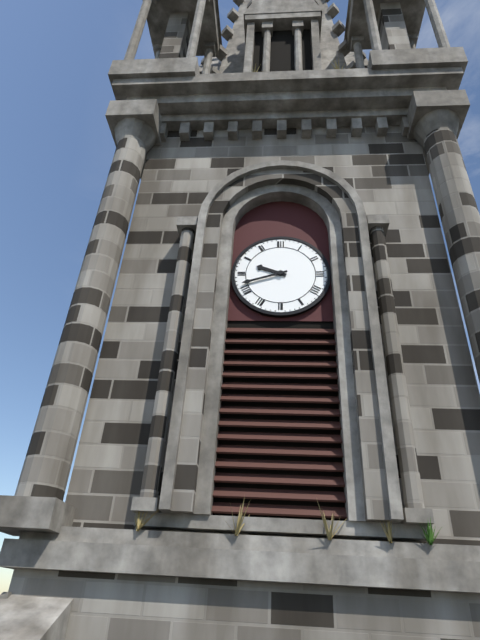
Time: {"hour": 9, "minute": 42}
